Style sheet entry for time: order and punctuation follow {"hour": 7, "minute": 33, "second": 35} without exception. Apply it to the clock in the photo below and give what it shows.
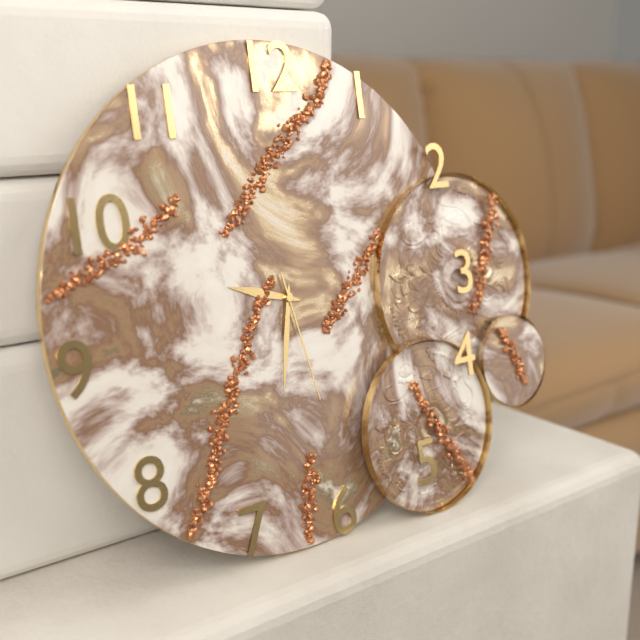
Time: {"hour": 9, "minute": 32, "second": 28}
